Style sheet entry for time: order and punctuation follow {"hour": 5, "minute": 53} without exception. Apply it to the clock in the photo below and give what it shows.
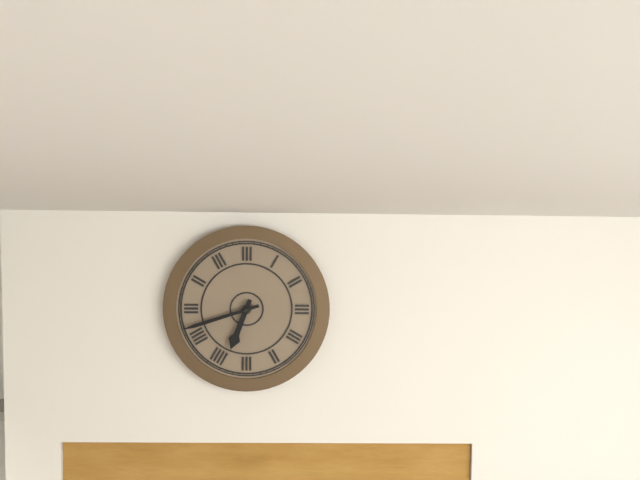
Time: {"hour": 6, "minute": 42}
